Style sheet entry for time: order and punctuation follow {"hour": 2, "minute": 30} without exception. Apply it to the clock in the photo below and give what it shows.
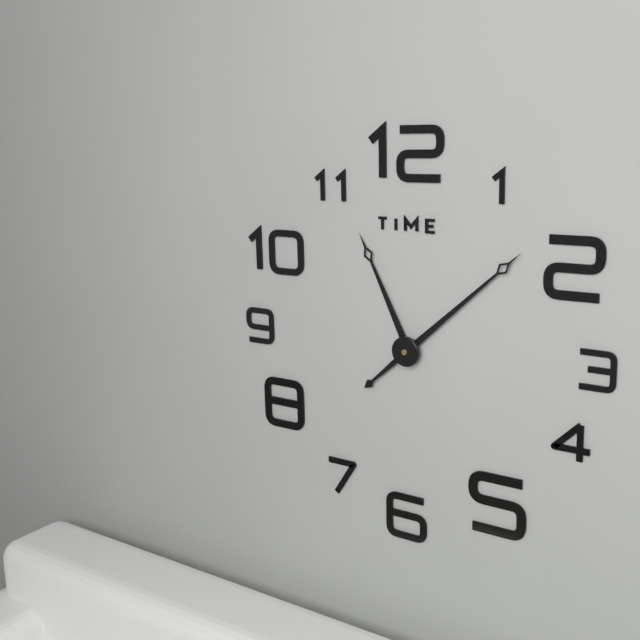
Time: {"hour": 11, "minute": 8}
